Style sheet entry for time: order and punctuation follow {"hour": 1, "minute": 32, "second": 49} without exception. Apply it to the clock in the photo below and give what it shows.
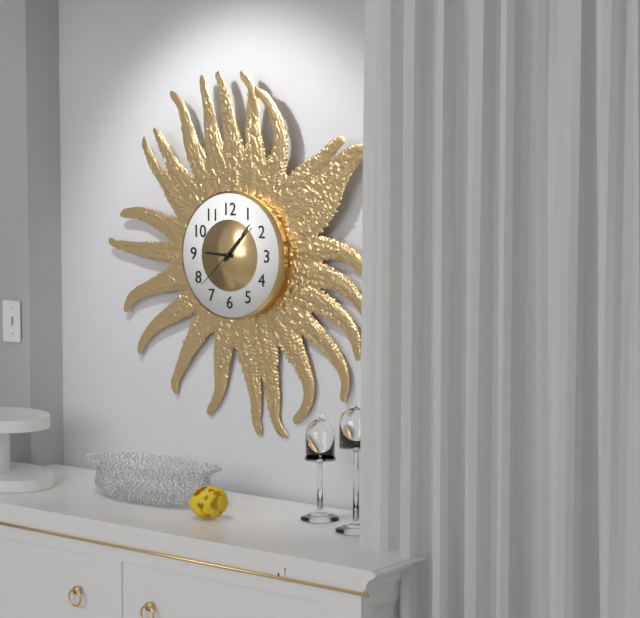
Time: {"hour": 9, "minute": 7, "second": 38}
